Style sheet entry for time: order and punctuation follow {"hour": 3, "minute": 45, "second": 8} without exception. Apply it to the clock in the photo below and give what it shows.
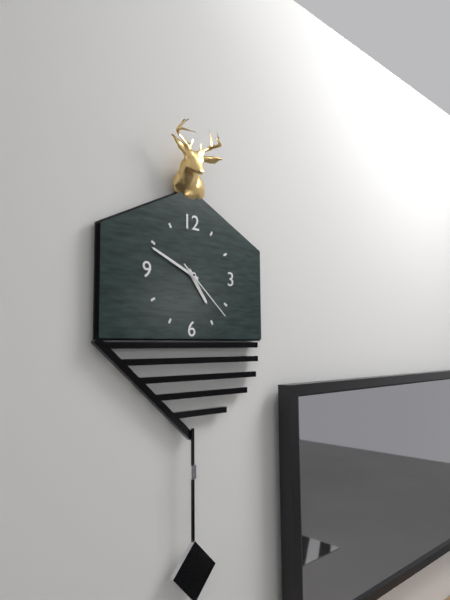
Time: {"hour": 4, "minute": 49, "second": 22}
